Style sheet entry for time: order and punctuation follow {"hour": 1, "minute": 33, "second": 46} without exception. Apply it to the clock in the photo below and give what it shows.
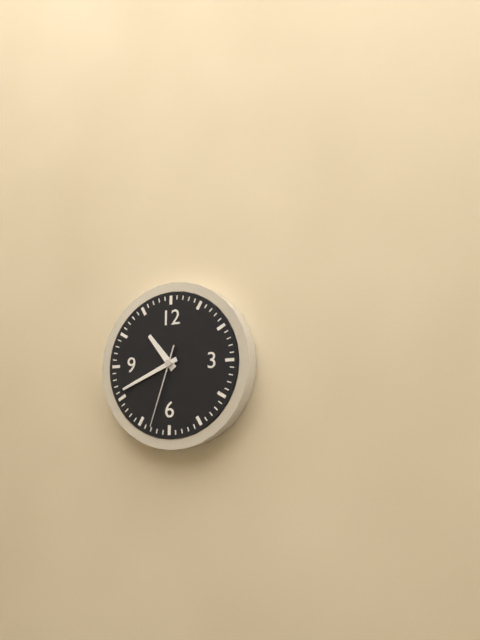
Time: {"hour": 10, "minute": 41, "second": 33}
